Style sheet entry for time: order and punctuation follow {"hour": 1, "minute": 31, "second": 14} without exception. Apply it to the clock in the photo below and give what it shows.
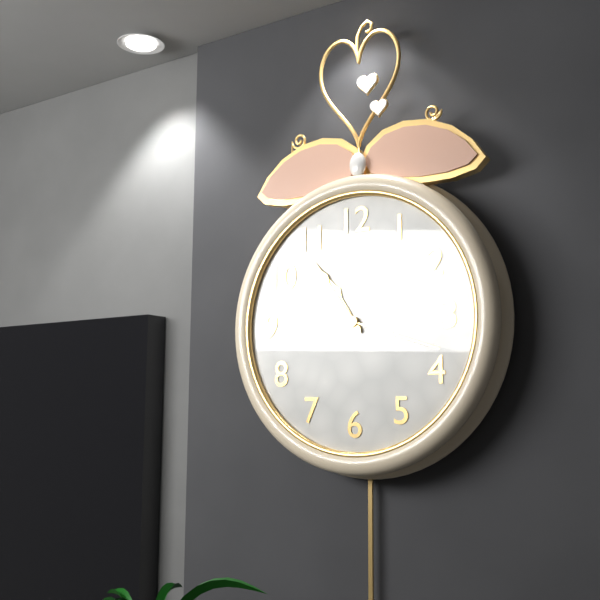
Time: {"hour": 10, "minute": 54, "second": 18}
